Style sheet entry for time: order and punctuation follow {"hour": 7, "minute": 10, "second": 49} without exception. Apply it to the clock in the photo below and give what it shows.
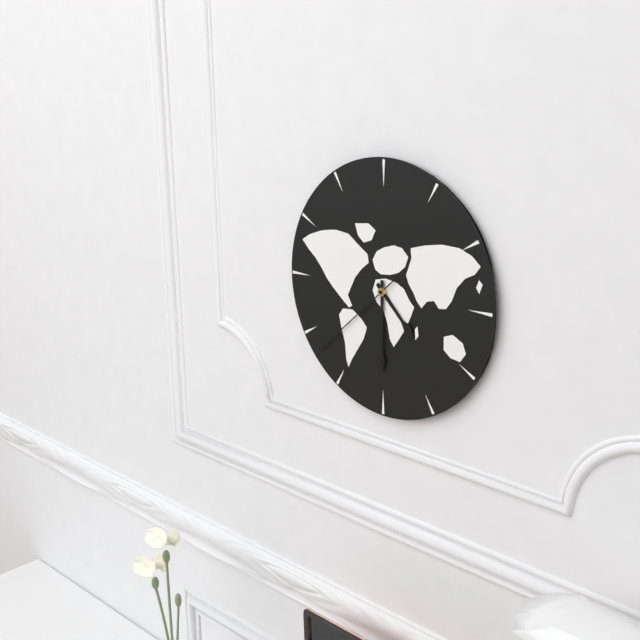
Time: {"hour": 4, "minute": 30, "second": 38}
